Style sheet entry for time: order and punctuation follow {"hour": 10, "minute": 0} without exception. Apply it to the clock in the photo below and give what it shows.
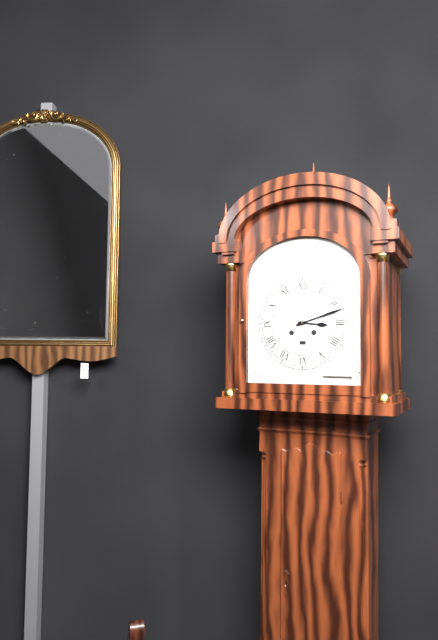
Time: {"hour": 3, "minute": 12}
